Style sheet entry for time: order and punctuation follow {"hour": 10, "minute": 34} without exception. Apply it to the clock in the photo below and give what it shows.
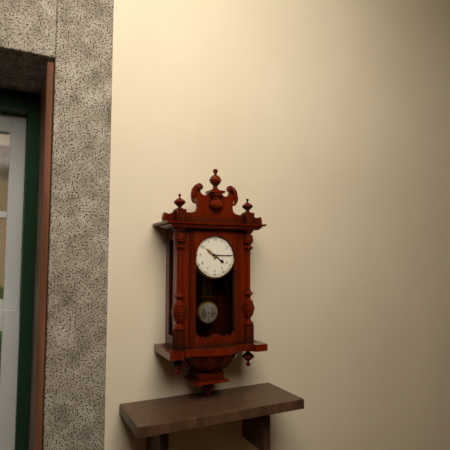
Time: {"hour": 4, "minute": 15}
